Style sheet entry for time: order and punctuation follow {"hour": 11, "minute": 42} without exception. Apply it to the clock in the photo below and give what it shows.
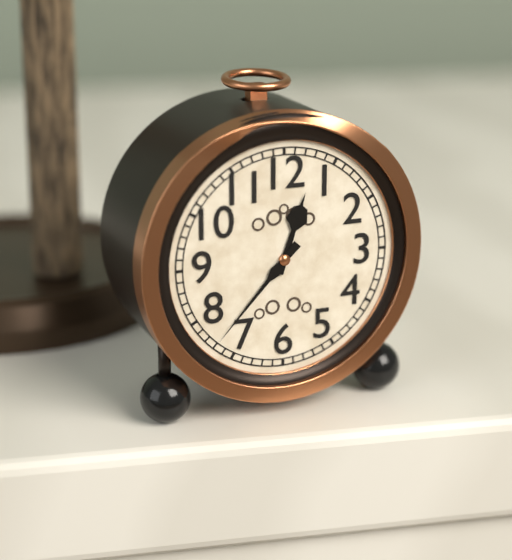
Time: {"hour": 12, "minute": 37}
